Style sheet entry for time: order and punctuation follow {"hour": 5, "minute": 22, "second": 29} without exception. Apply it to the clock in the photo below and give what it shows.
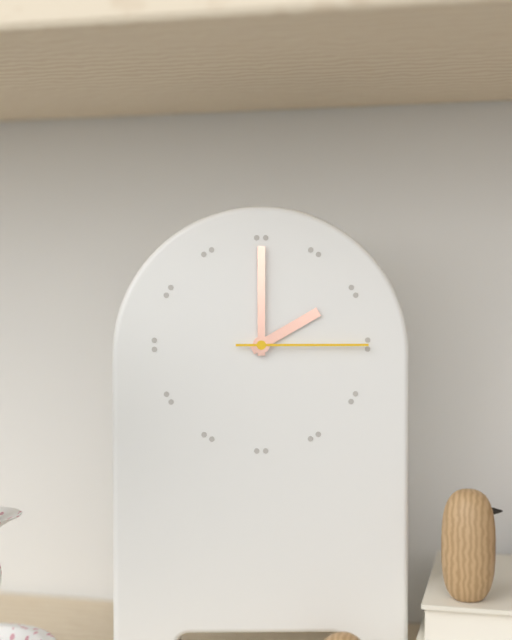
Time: {"hour": 2, "minute": 0, "second": 15}
